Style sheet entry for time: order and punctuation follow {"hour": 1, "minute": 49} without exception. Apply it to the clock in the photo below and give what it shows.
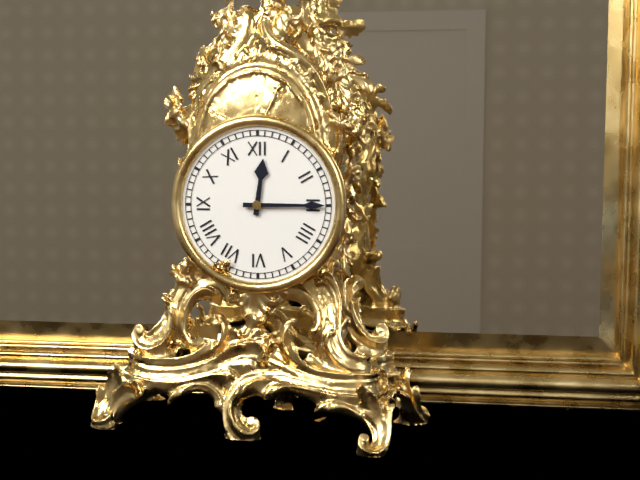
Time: {"hour": 12, "minute": 15}
